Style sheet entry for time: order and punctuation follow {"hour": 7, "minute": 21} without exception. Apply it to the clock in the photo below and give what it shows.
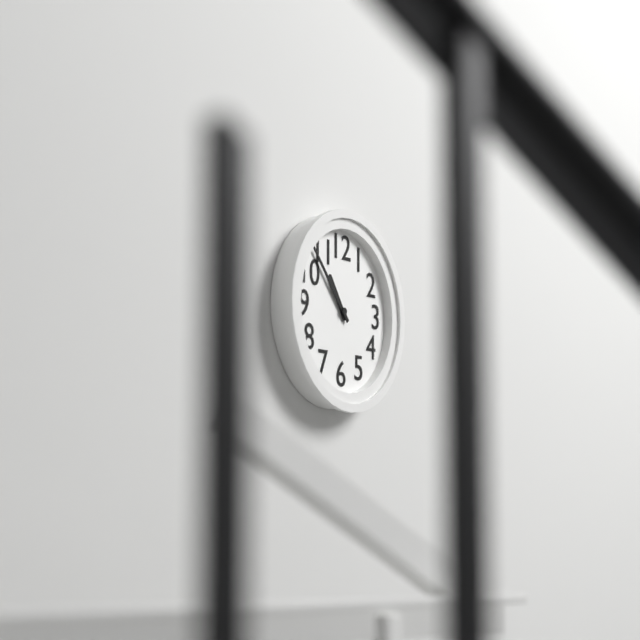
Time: {"hour": 10, "minute": 53}
